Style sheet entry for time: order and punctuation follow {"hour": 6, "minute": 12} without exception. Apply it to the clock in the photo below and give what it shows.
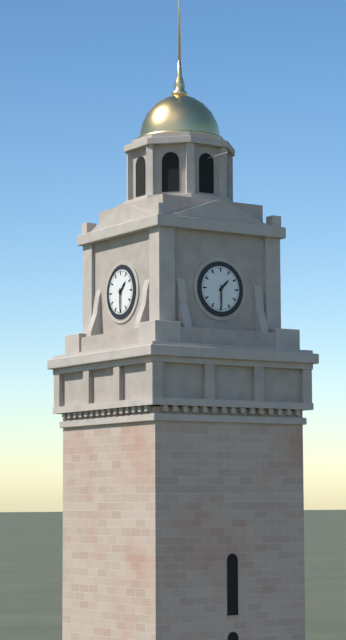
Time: {"hour": 1, "minute": 30}
